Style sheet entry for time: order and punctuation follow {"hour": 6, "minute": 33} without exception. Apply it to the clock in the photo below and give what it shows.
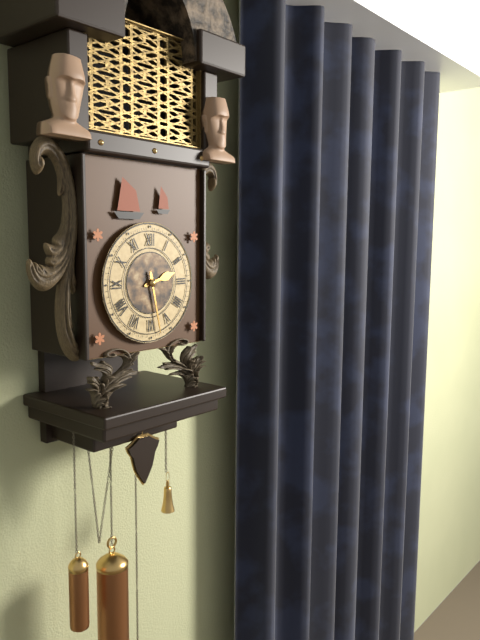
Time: {"hour": 2, "minute": 28}
